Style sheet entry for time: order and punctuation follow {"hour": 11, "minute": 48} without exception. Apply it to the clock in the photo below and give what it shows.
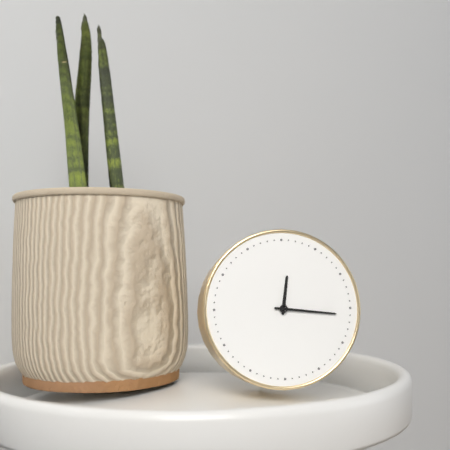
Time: {"hour": 12, "minute": 16}
